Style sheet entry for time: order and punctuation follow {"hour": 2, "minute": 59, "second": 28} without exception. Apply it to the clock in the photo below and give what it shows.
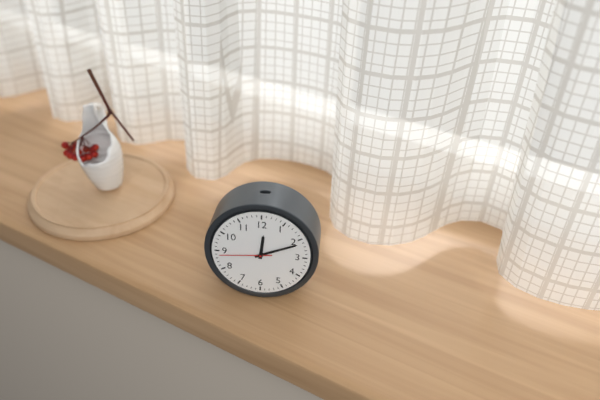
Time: {"hour": 12, "minute": 11, "second": 44}
